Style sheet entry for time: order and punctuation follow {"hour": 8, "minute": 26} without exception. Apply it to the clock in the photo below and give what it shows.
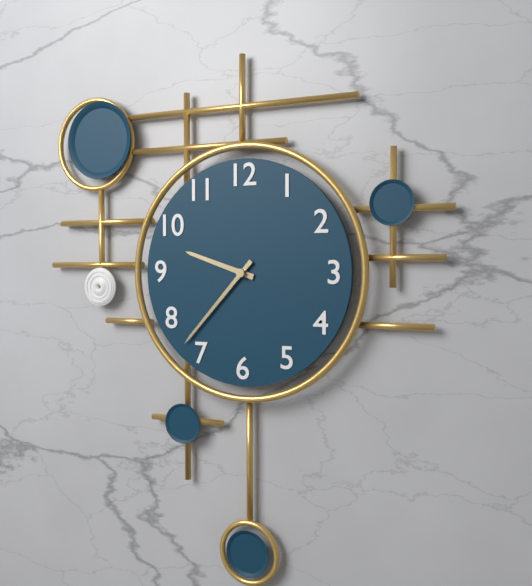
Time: {"hour": 9, "minute": 37}
